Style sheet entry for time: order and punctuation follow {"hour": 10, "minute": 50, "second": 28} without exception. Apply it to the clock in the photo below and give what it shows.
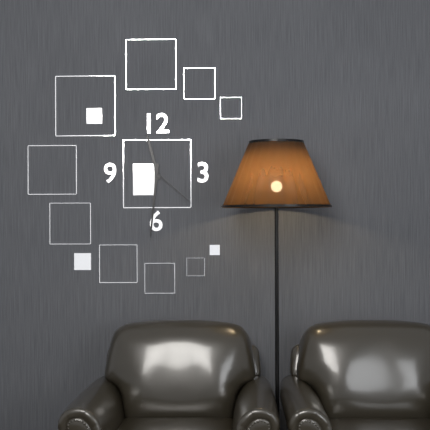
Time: {"hour": 11, "minute": 31, "second": 22}
